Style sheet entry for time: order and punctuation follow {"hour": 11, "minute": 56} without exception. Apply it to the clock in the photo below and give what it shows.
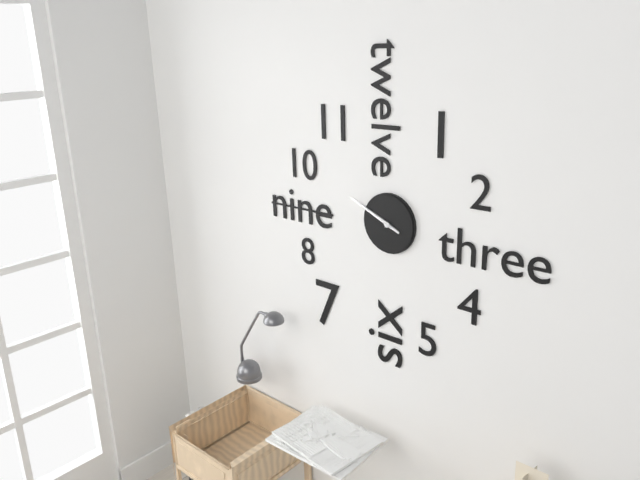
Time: {"hour": 9, "minute": 49}
